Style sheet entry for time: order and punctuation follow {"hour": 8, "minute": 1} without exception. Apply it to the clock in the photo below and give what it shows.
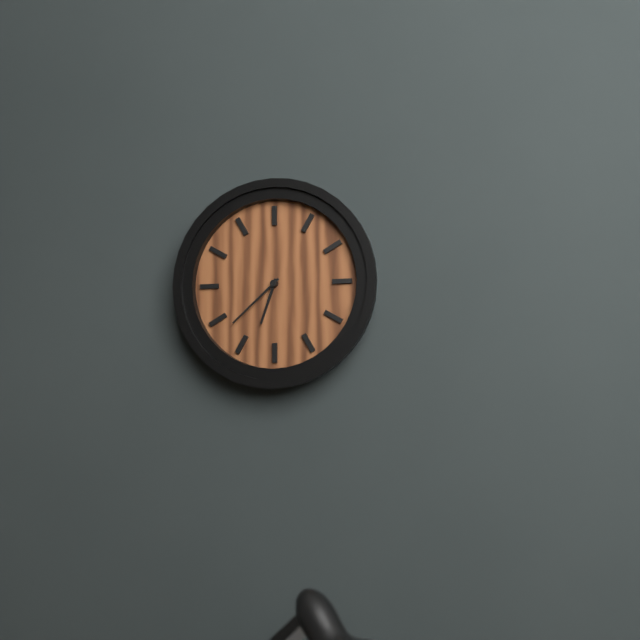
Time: {"hour": 6, "minute": 38}
